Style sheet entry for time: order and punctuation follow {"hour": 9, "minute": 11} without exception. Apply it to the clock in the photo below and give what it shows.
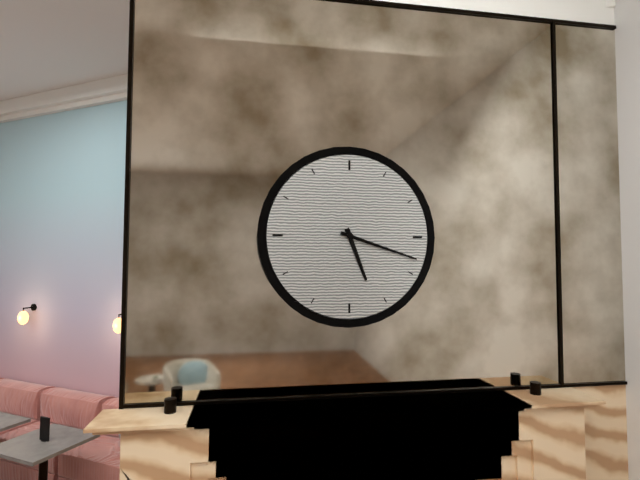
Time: {"hour": 5, "minute": 18}
